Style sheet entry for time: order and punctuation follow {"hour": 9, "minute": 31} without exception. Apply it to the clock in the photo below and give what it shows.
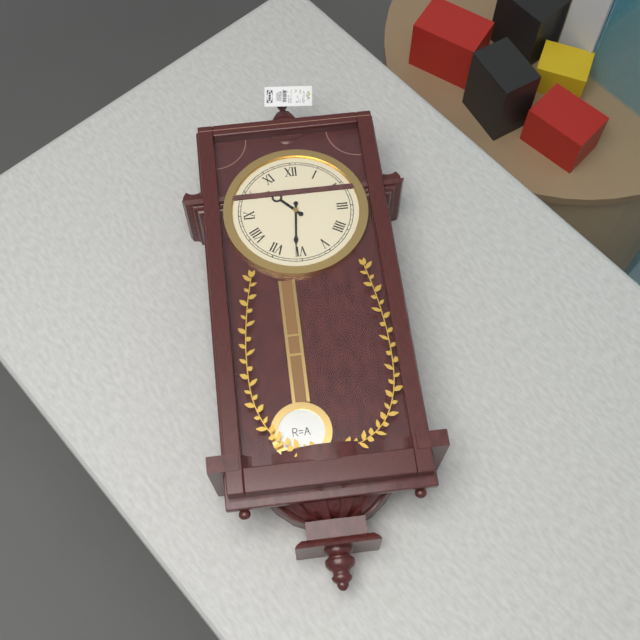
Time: {"hour": 10, "minute": 31}
